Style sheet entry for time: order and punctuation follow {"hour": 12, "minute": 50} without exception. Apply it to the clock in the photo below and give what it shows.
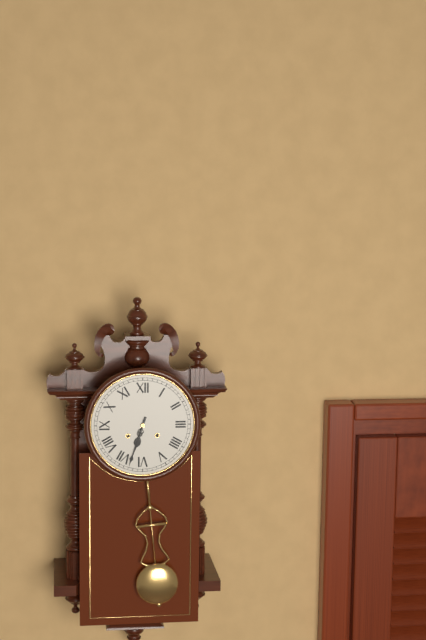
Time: {"hour": 6, "minute": 33}
